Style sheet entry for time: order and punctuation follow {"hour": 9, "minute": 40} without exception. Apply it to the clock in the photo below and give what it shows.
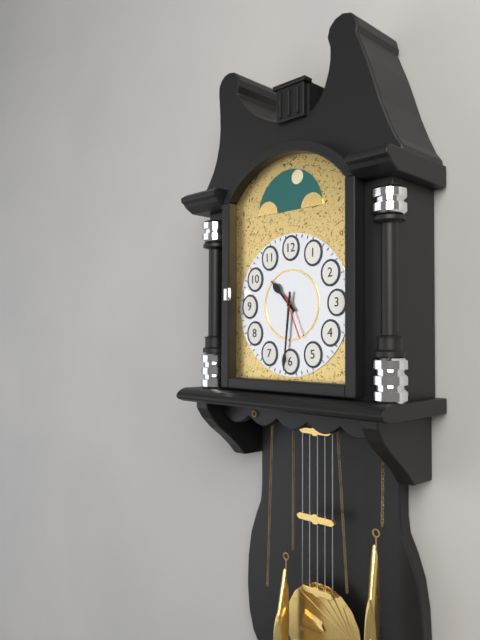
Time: {"hour": 10, "minute": 31}
